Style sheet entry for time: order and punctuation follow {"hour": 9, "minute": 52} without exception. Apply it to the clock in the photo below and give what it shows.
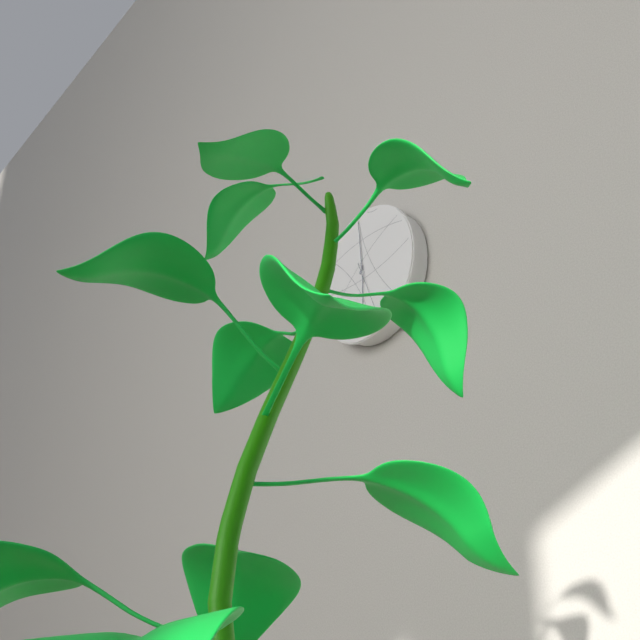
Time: {"hour": 5, "minute": 59}
